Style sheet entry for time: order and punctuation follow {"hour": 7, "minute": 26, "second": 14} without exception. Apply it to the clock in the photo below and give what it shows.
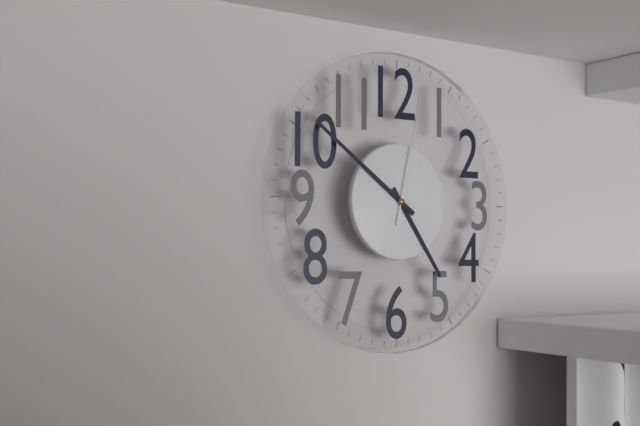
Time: {"hour": 4, "minute": 51, "second": 2}
